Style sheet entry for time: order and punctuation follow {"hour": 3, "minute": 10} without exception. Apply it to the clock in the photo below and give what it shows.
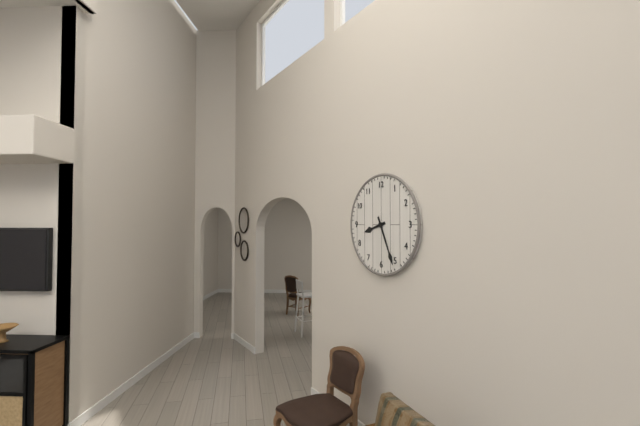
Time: {"hour": 8, "minute": 26}
